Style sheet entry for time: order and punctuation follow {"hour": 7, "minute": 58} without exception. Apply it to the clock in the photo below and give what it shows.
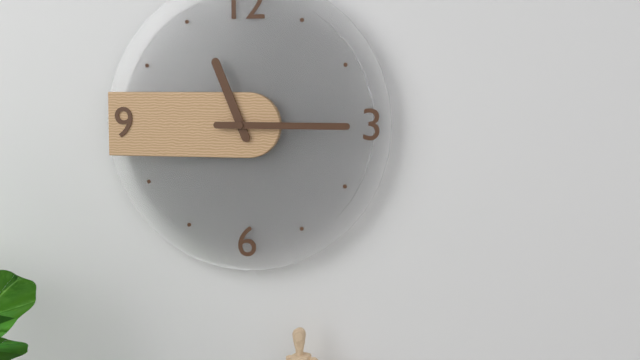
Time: {"hour": 11, "minute": 15}
